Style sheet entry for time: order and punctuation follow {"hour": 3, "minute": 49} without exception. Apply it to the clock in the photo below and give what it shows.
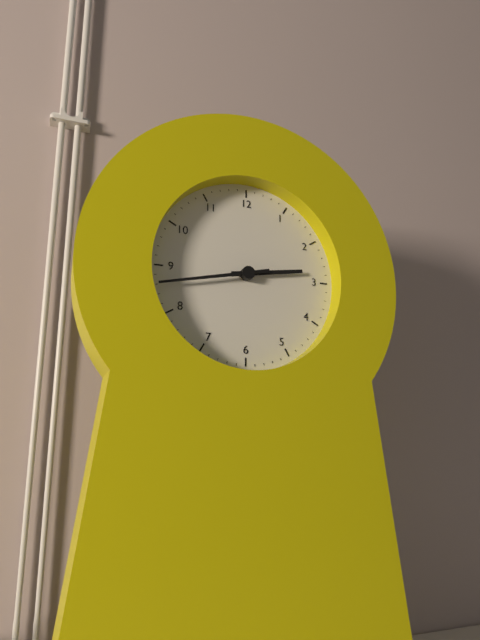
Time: {"hour": 2, "minute": 43}
